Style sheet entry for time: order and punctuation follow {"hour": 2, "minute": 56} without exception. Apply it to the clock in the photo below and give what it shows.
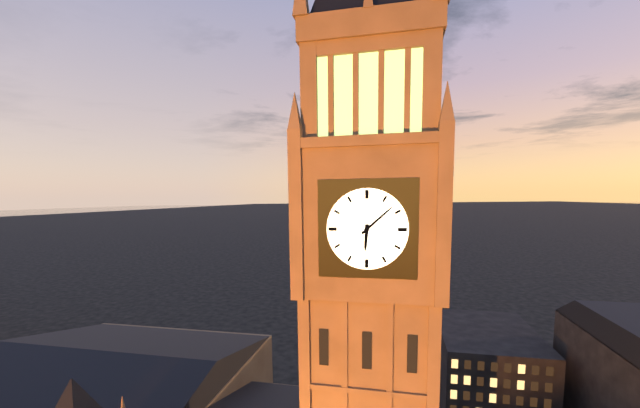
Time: {"hour": 6, "minute": 8}
